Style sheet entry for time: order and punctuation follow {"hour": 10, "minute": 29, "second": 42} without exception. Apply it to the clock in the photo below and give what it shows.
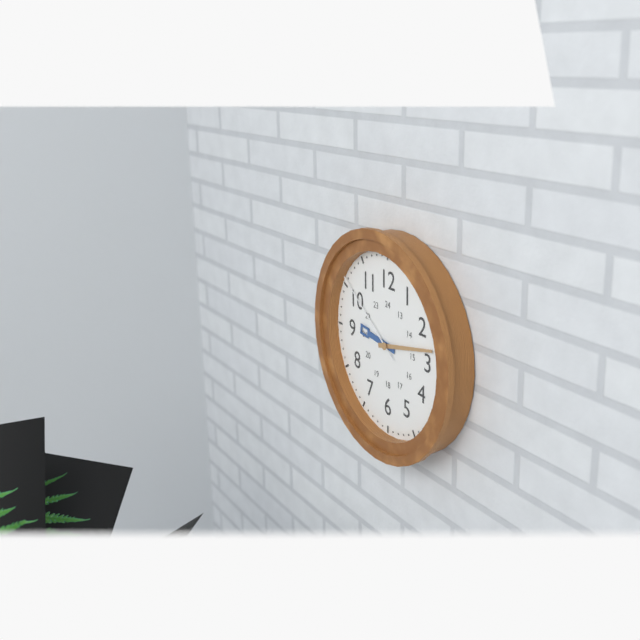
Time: {"hour": 9, "minute": 13, "second": 51}
